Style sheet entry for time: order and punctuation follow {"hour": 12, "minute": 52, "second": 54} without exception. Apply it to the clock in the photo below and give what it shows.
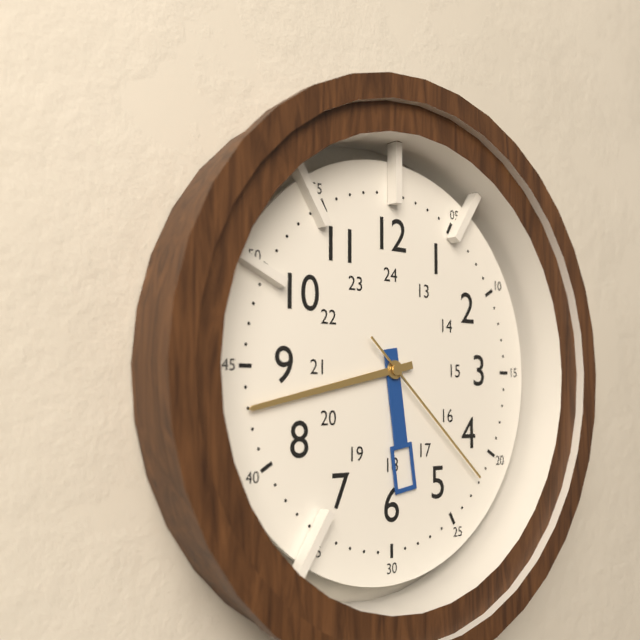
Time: {"hour": 5, "minute": 43, "second": 22}
